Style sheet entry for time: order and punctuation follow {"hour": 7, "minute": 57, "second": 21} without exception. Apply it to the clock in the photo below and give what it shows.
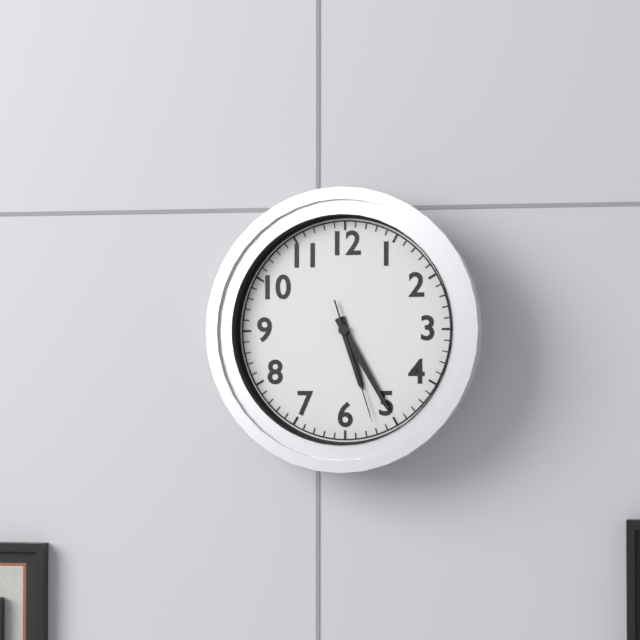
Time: {"hour": 5, "minute": 25, "second": 27}
